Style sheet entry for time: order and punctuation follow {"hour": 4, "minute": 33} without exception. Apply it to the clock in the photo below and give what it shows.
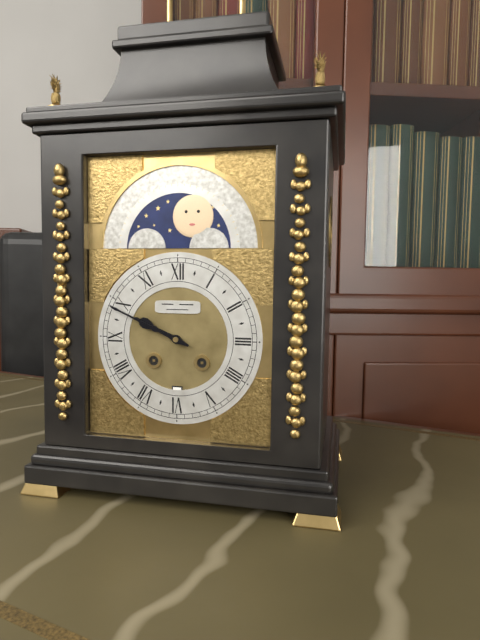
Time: {"hour": 9, "minute": 49}
